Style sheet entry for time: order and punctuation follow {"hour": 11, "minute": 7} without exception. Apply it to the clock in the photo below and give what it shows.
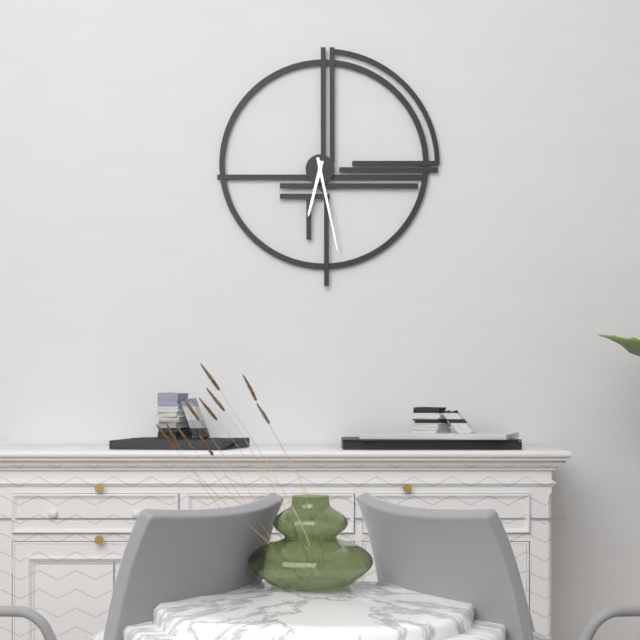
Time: {"hour": 6, "minute": 28}
